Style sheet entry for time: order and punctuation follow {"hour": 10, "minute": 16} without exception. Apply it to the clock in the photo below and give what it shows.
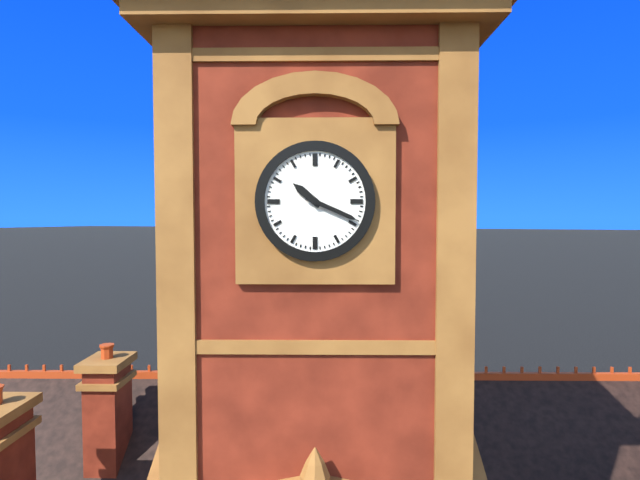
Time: {"hour": 10, "minute": 19}
